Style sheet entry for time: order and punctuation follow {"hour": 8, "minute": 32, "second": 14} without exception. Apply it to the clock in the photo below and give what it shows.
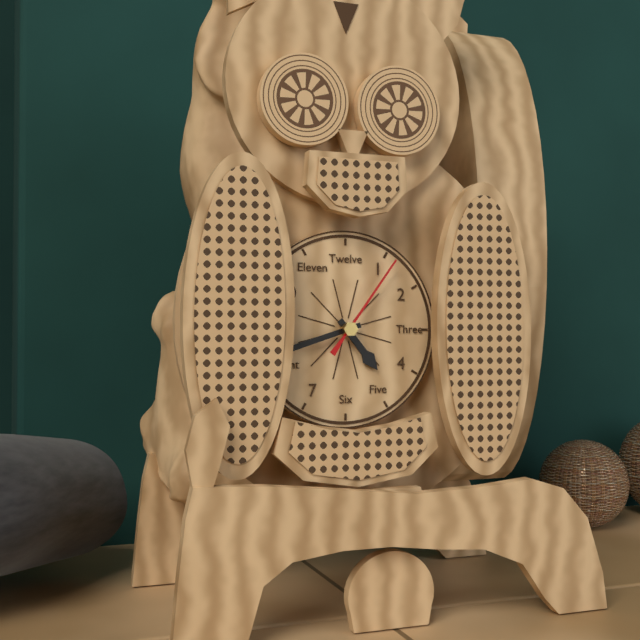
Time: {"hour": 4, "minute": 42, "second": 6}
